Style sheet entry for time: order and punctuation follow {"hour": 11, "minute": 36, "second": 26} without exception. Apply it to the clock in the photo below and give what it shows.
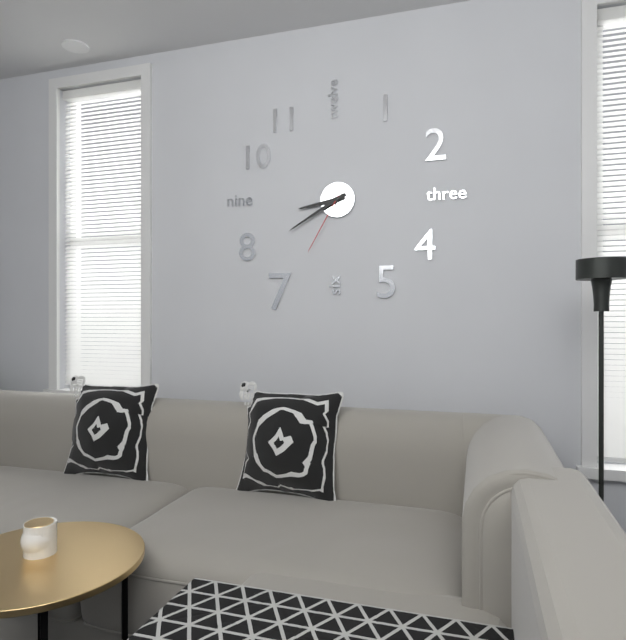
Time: {"hour": 8, "minute": 40, "second": 35}
